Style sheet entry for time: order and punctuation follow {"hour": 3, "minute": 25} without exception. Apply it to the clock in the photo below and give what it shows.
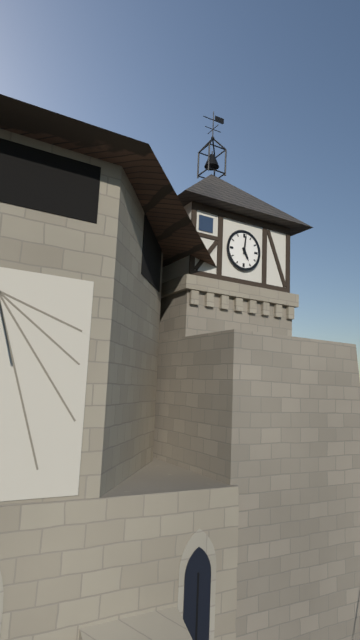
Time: {"hour": 5, "minute": 1}
